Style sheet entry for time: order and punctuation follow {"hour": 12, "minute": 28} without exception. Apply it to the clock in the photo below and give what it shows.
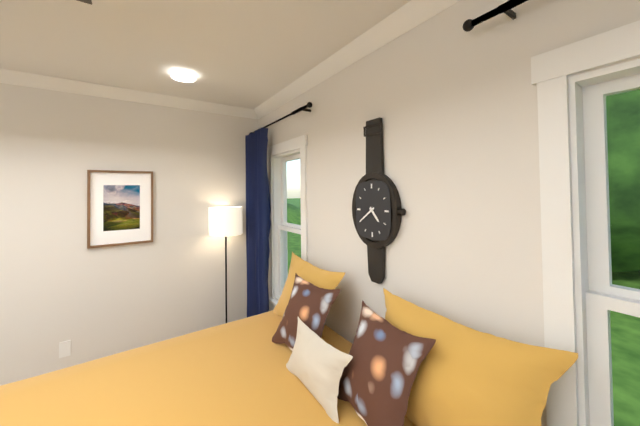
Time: {"hour": 4, "minute": 39}
